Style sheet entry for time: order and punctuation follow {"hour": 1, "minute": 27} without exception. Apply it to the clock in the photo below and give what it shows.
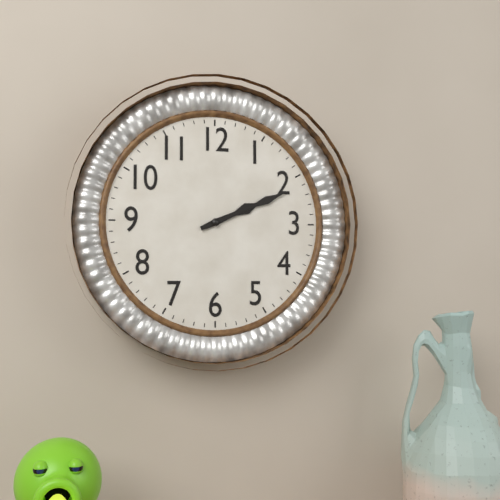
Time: {"hour": 2, "minute": 11}
